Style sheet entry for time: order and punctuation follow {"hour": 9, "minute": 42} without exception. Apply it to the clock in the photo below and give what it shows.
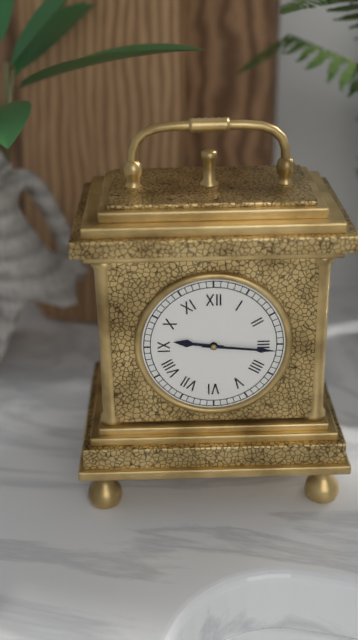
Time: {"hour": 9, "minute": 16}
